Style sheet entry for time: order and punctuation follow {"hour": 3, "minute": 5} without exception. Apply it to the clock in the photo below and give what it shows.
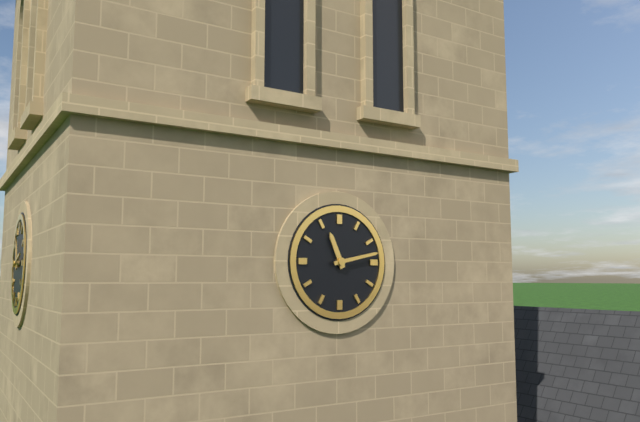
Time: {"hour": 11, "minute": 13}
